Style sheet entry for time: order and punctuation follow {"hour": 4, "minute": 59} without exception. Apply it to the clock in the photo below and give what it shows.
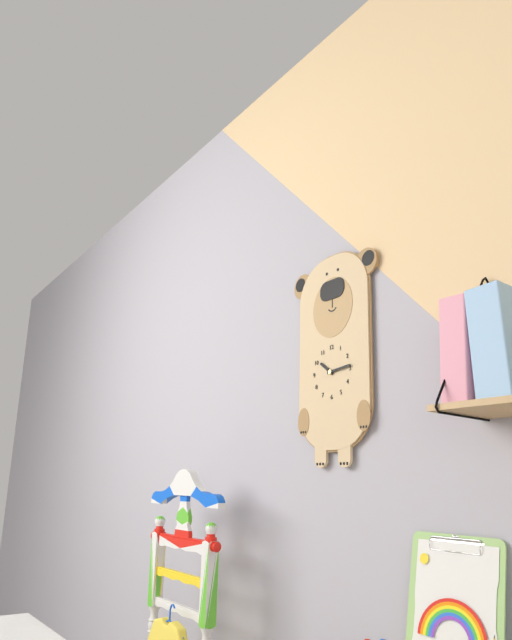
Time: {"hour": 10, "minute": 14}
